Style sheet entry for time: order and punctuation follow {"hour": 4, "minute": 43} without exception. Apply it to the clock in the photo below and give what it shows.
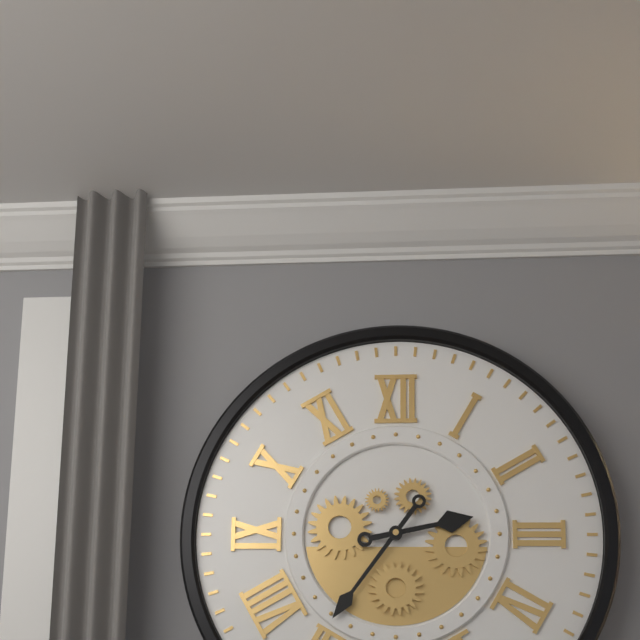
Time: {"hour": 2, "minute": 36}
